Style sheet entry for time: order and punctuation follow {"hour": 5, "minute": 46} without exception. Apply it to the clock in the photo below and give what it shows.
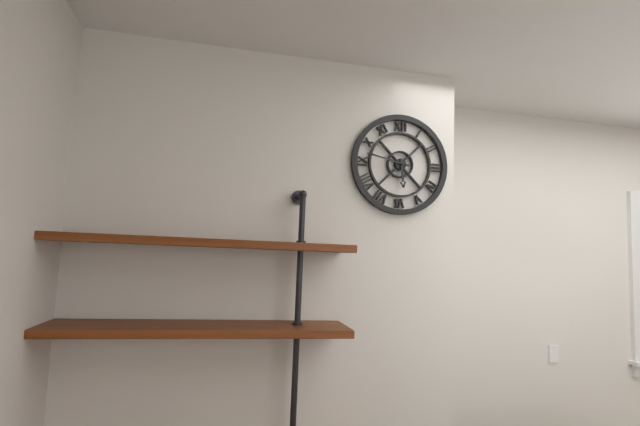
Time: {"hour": 5, "minute": 47}
